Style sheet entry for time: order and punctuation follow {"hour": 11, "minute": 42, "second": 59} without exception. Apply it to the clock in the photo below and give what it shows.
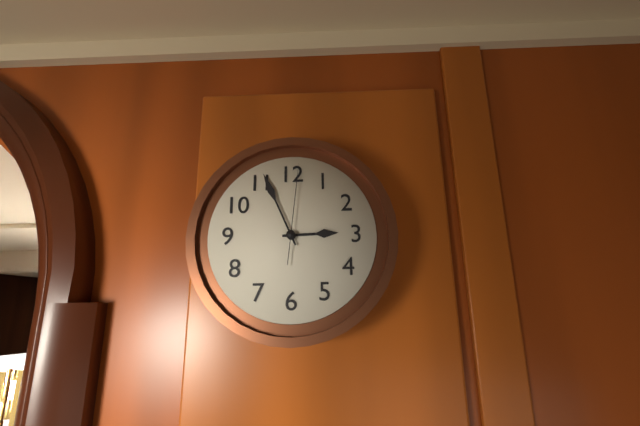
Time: {"hour": 2, "minute": 56, "second": 1}
